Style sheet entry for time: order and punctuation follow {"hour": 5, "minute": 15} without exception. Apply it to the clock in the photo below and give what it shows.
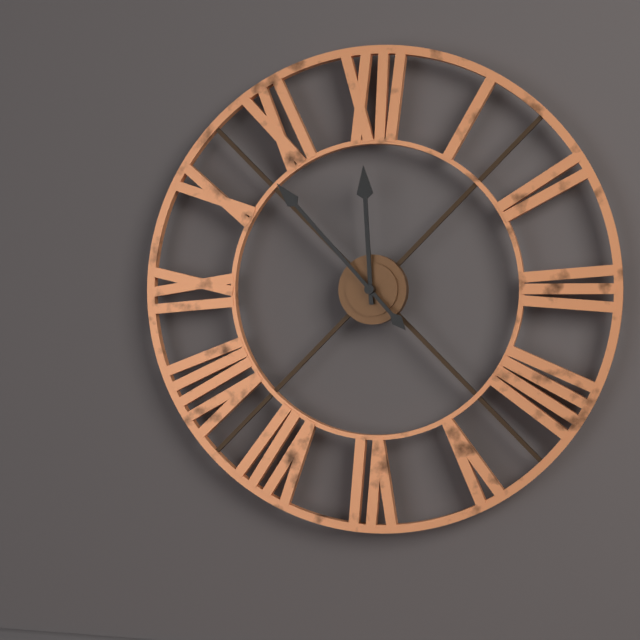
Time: {"hour": 11, "minute": 53}
